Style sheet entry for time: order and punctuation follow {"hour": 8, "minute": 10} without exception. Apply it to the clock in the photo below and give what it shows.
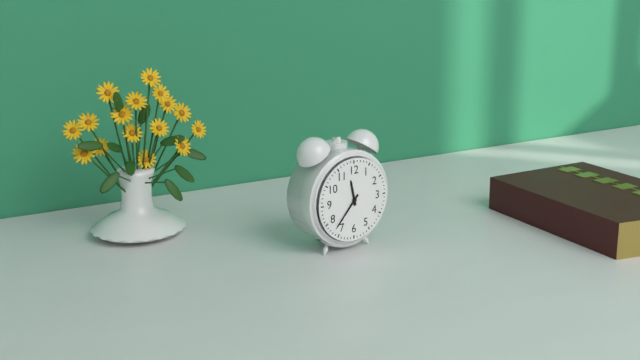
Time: {"hour": 11, "minute": 37}
